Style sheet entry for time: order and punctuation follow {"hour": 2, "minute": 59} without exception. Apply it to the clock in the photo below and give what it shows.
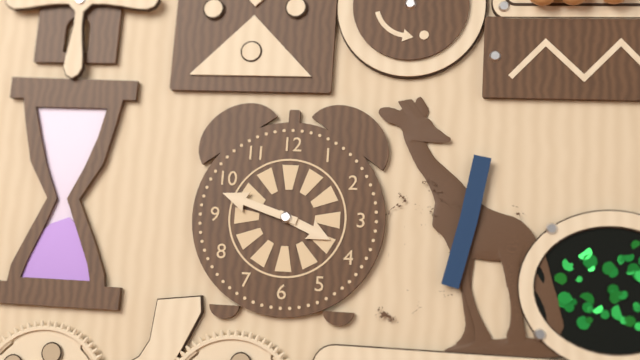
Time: {"hour": 3, "minute": 48}
